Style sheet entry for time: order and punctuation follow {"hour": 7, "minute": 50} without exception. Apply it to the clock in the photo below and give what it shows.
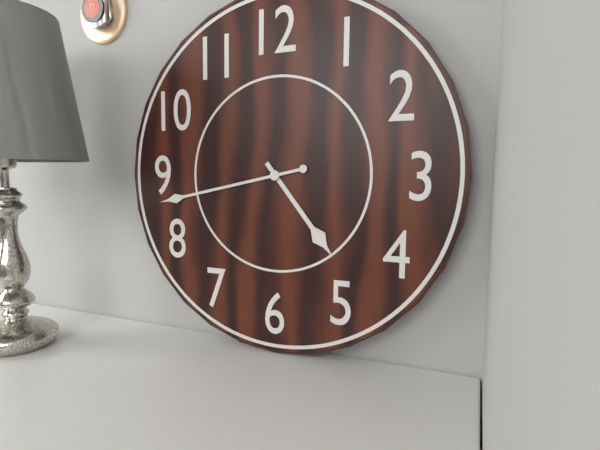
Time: {"hour": 4, "minute": 43}
